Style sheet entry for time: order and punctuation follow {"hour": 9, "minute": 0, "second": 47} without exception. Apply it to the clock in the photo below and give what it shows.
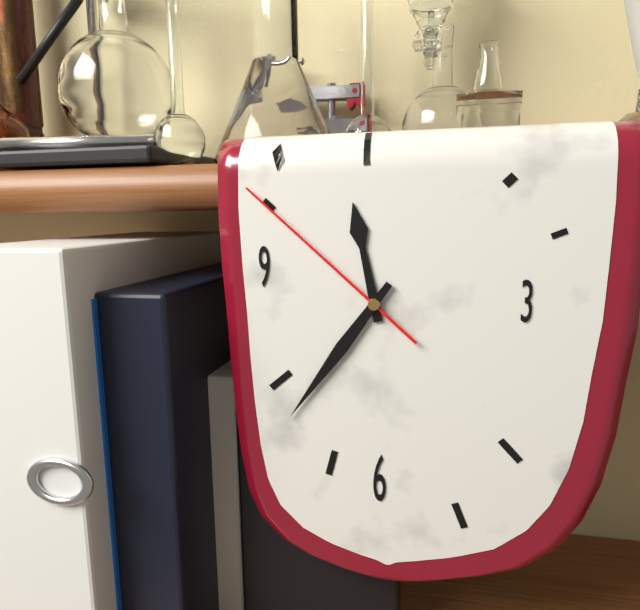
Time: {"hour": 11, "minute": 36, "second": 52}
